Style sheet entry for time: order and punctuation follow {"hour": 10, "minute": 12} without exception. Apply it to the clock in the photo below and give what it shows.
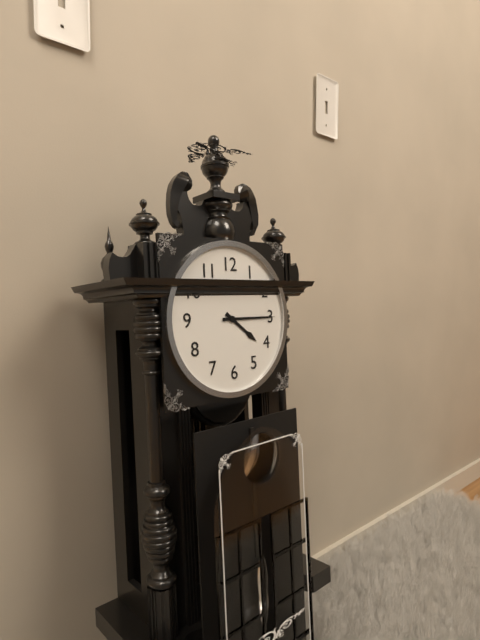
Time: {"hour": 4, "minute": 15}
